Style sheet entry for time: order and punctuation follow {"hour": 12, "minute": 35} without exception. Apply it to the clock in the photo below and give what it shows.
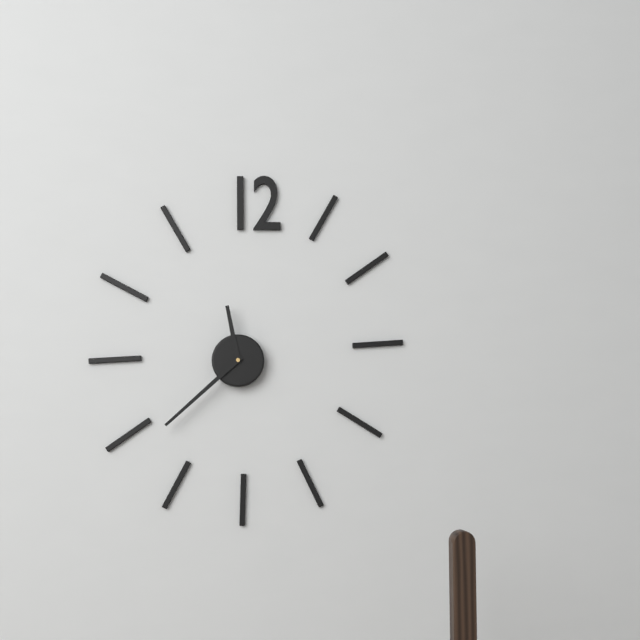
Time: {"hour": 11, "minute": 38}
